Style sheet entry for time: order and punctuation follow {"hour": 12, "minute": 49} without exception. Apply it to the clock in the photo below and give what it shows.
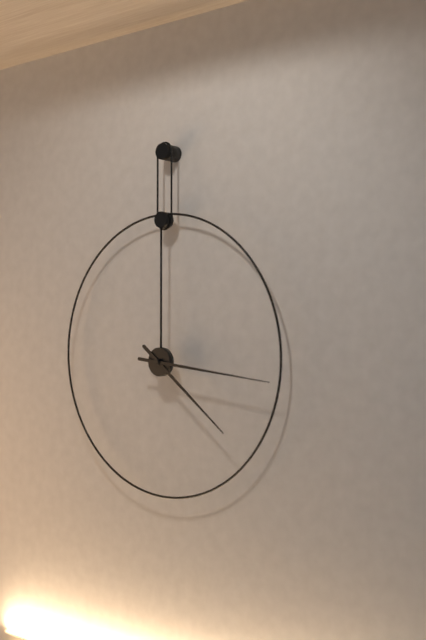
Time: {"hour": 4, "minute": 16}
